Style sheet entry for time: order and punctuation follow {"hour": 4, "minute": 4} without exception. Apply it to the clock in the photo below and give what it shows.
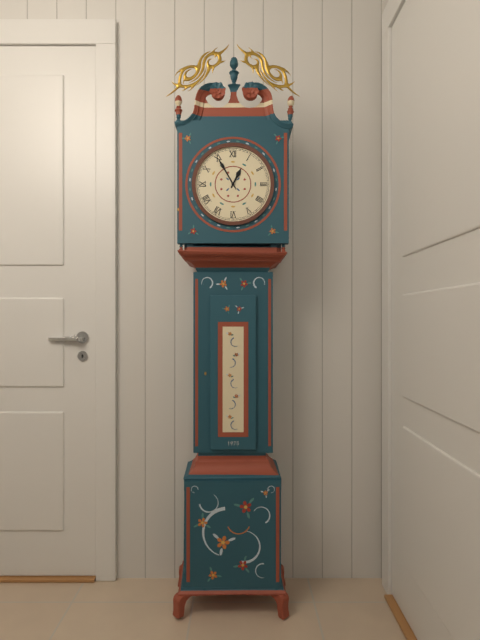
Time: {"hour": 12, "minute": 55}
